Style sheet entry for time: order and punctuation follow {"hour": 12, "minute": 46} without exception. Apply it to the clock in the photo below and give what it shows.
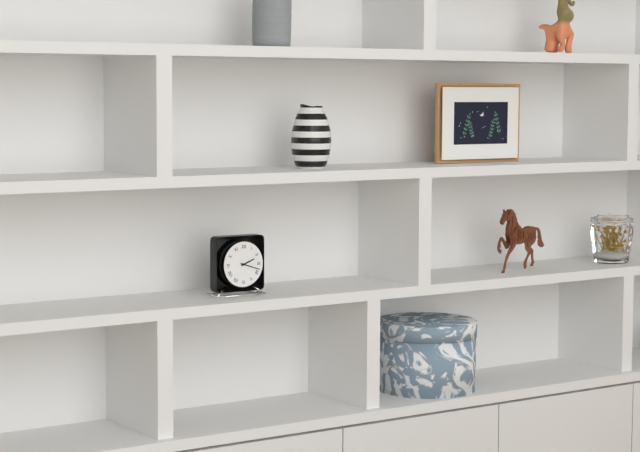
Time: {"hour": 2, "minute": 18}
